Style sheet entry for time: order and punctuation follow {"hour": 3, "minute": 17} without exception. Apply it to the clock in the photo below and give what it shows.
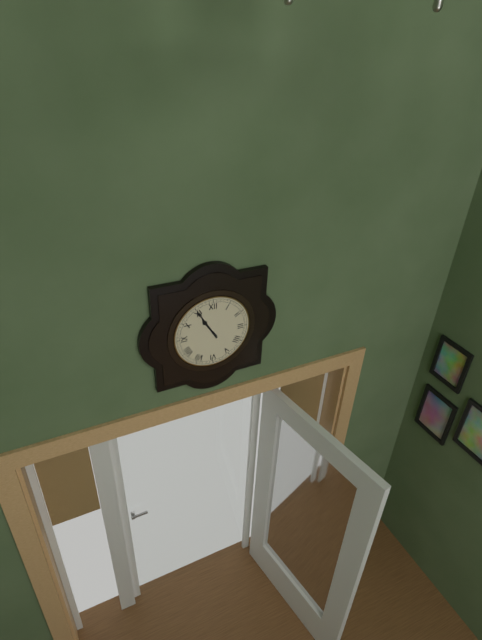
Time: {"hour": 10, "minute": 55}
